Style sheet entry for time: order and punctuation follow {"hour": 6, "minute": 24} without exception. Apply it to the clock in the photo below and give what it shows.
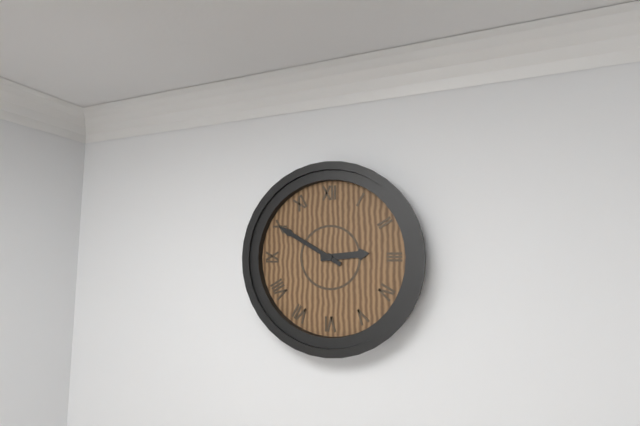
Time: {"hour": 2, "minute": 50}
